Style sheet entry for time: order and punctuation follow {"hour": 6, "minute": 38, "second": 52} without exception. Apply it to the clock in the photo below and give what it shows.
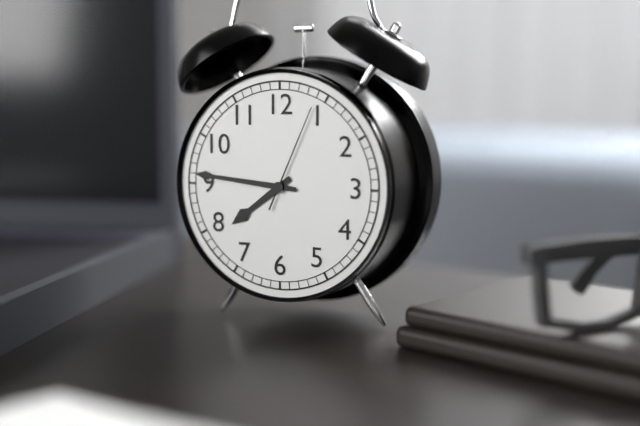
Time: {"hour": 7, "minute": 46, "second": 4}
